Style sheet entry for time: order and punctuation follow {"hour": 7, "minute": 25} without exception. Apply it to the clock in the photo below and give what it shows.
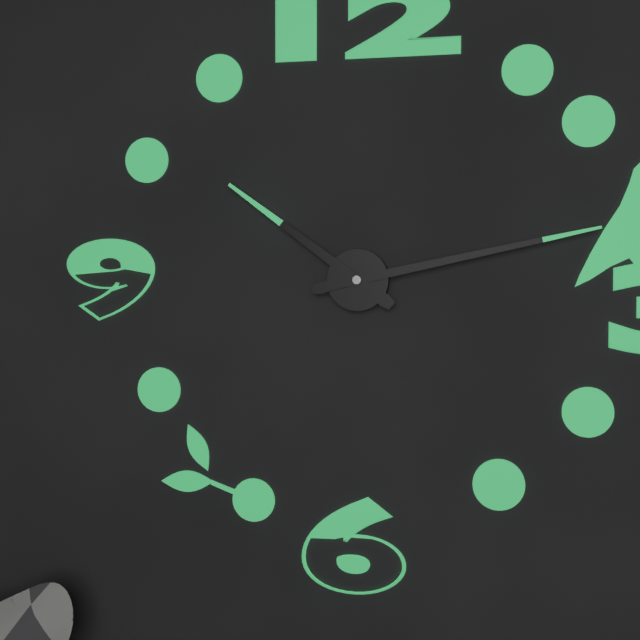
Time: {"hour": 10, "minute": 13}
